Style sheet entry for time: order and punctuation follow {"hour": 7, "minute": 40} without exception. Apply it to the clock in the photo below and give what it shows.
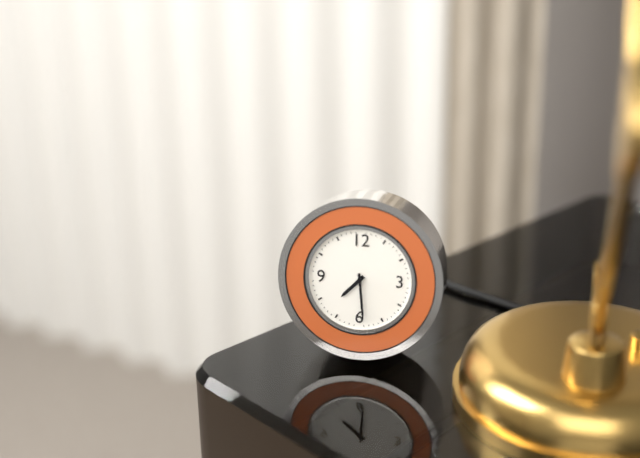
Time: {"hour": 7, "minute": 29}
